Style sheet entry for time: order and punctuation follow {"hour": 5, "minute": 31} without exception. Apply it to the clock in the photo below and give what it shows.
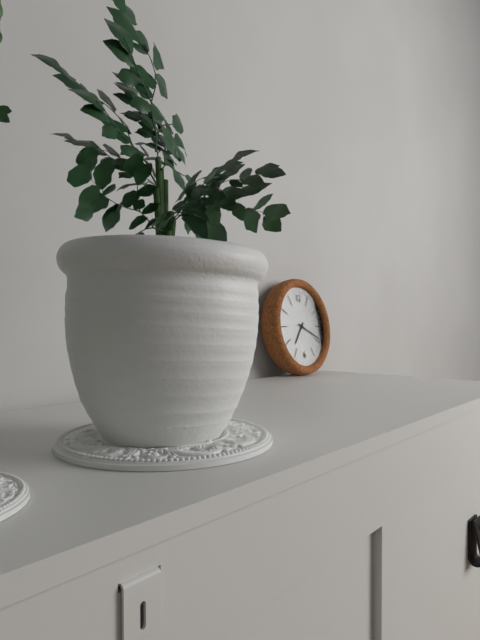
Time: {"hour": 7, "minute": 19}
